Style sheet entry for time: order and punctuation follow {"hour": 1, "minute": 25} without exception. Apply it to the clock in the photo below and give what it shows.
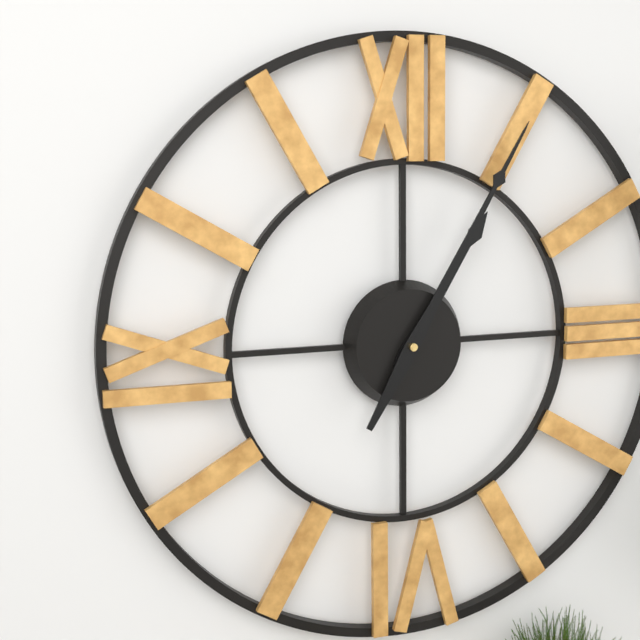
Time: {"hour": 1, "minute": 5}
